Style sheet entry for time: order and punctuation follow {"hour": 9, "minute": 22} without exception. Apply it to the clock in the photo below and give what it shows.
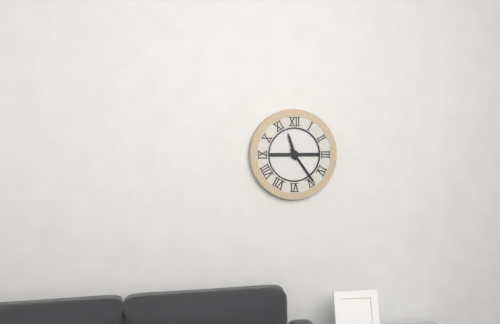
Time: {"hour": 11, "minute": 24}
